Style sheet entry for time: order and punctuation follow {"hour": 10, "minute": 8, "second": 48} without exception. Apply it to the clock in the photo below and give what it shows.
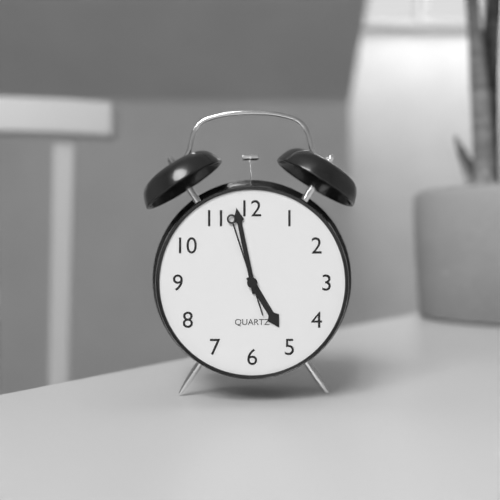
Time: {"hour": 4, "minute": 58, "second": 57}
